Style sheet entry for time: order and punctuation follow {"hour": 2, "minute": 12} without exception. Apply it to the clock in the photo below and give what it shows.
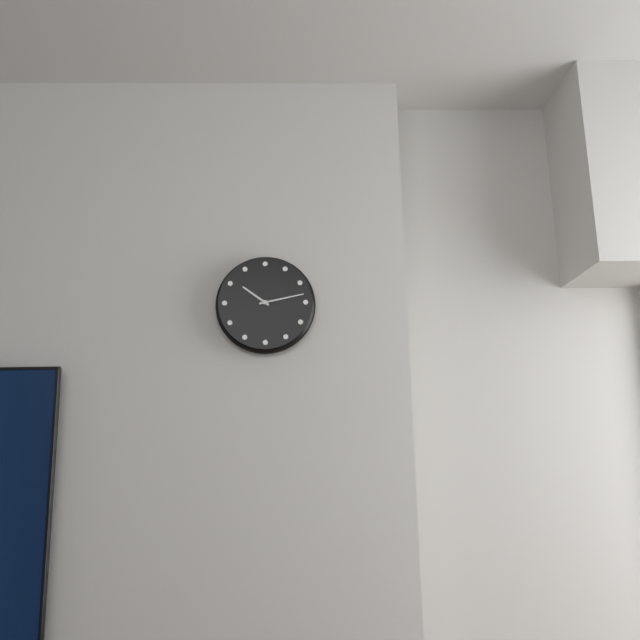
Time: {"hour": 10, "minute": 13}
